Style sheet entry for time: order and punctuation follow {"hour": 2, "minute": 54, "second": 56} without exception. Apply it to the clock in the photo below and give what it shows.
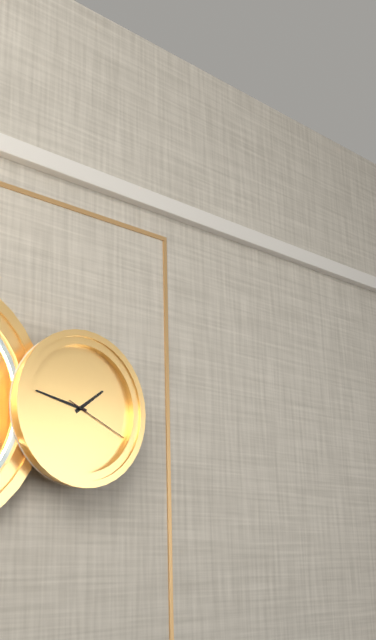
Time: {"hour": 1, "minute": 47, "second": 19}
